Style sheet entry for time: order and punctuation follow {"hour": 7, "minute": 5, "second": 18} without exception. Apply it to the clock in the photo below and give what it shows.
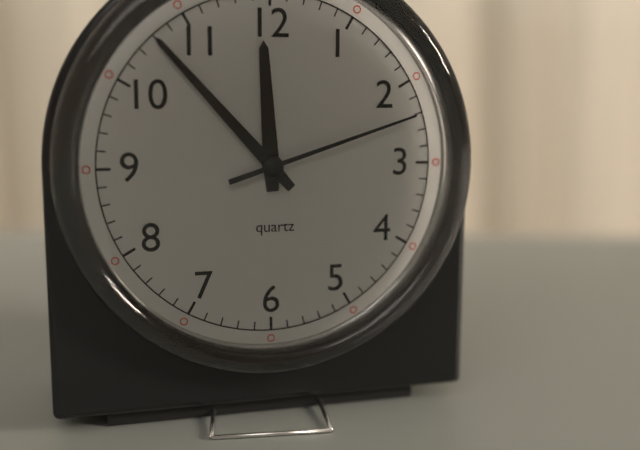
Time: {"hour": 11, "minute": 53, "second": 12}
